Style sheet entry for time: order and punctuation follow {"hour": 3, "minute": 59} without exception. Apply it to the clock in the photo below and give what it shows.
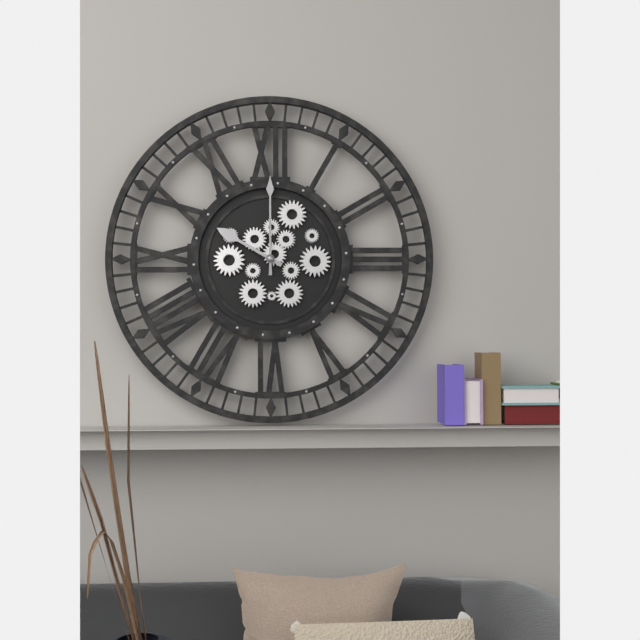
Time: {"hour": 10, "minute": 0}
